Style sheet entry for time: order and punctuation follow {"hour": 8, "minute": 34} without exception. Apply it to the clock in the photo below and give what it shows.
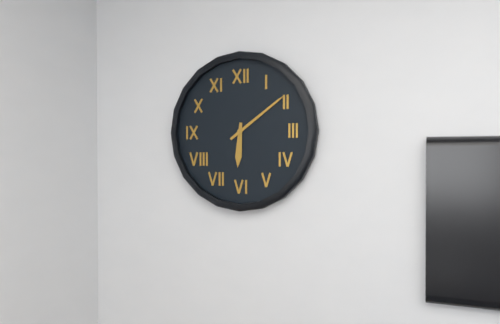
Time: {"hour": 6, "minute": 9}
